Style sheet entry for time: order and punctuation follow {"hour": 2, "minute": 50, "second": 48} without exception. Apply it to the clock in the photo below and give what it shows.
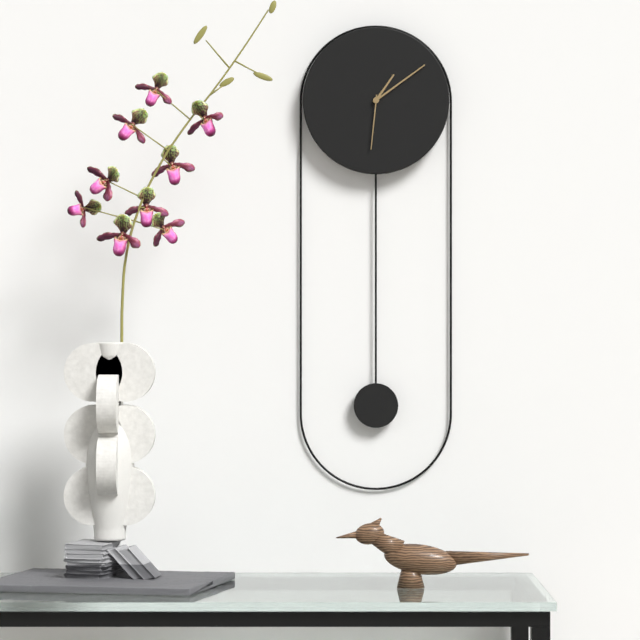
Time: {"hour": 1, "minute": 9, "second": 31}
